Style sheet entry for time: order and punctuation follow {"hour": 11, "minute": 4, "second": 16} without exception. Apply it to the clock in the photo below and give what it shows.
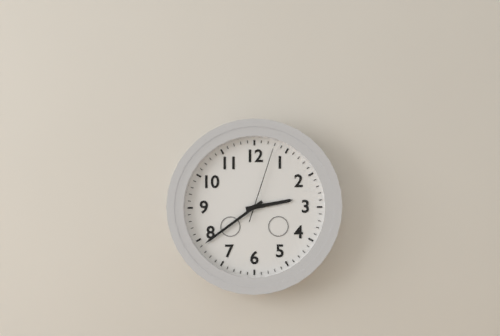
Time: {"hour": 2, "minute": 39, "second": 3}
